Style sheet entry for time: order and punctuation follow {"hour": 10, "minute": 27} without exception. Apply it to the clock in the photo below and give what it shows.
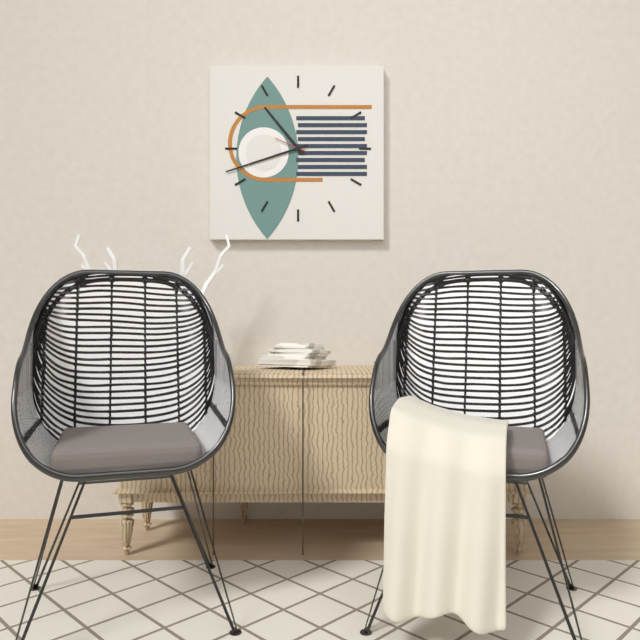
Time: {"hour": 10, "minute": 42}
